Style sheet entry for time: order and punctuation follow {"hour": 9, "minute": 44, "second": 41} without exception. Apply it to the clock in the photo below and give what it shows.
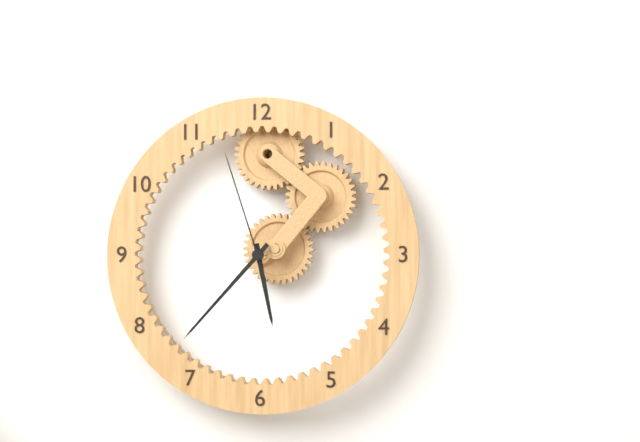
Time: {"hour": 5, "minute": 37, "second": 57}
